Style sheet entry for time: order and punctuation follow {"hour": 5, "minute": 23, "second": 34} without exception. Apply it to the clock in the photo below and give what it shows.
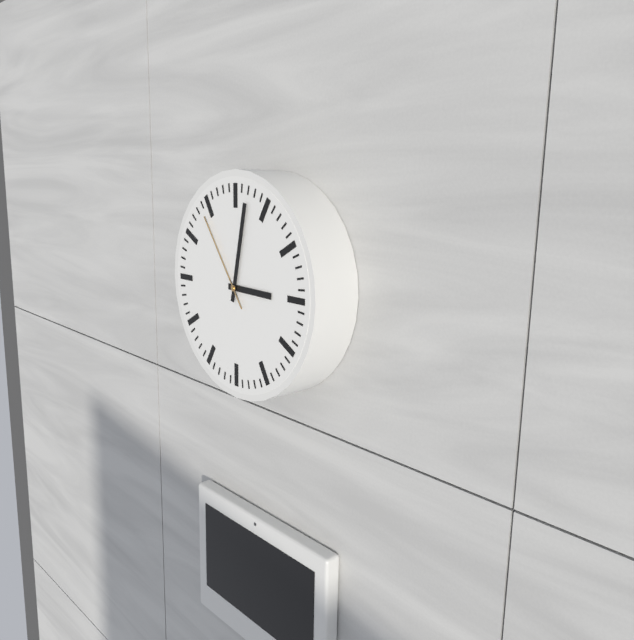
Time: {"hour": 3, "minute": 2, "second": 54}
